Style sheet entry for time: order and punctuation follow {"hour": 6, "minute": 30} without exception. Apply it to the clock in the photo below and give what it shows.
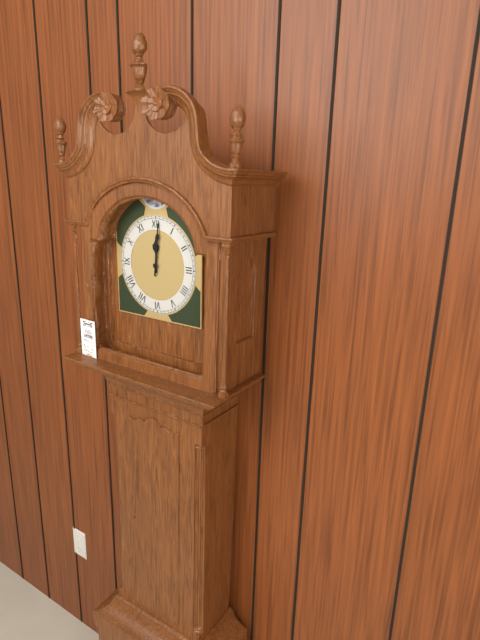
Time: {"hour": 12, "minute": 1}
